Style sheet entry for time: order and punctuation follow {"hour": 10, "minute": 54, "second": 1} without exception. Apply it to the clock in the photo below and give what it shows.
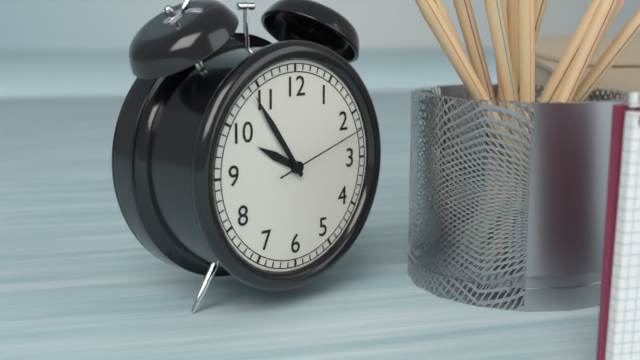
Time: {"hour": 9, "minute": 54, "second": 12}
